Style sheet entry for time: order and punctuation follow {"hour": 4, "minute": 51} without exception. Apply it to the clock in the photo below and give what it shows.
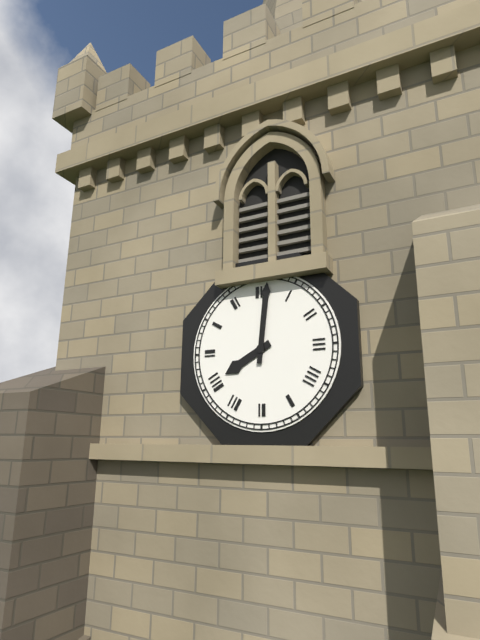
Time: {"hour": 8, "minute": 1}
